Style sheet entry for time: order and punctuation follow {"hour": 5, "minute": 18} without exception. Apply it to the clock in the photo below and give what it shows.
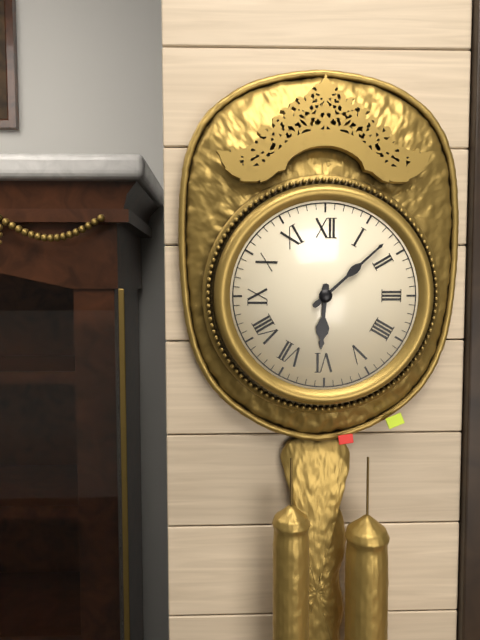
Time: {"hour": 6, "minute": 8}
